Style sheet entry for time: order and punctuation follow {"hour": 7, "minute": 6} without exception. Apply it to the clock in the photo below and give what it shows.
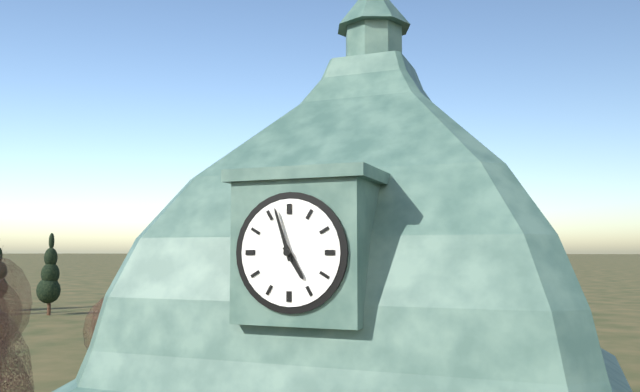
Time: {"hour": 4, "minute": 57}
